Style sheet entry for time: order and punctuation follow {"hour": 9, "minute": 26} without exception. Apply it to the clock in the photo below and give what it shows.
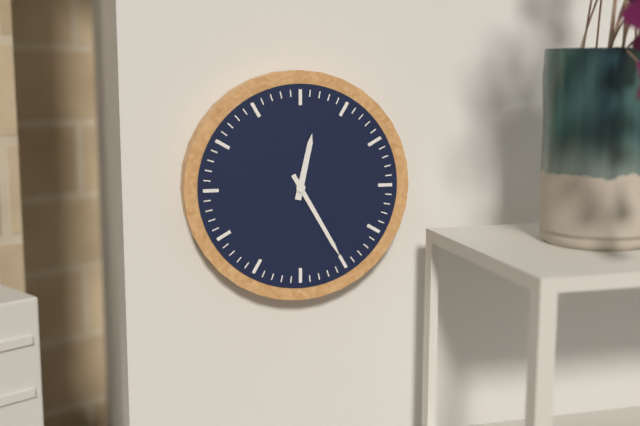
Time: {"hour": 12, "minute": 25}
